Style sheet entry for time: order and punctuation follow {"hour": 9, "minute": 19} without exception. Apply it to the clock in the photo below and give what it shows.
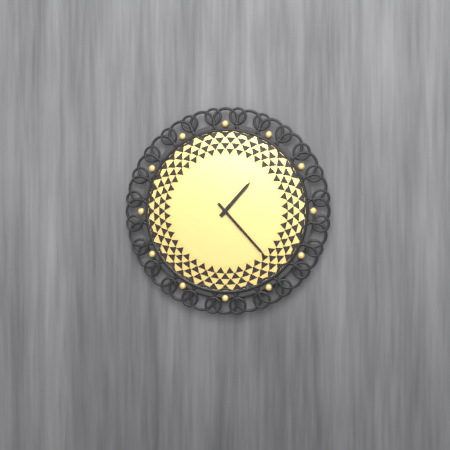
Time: {"hour": 1, "minute": 23}
